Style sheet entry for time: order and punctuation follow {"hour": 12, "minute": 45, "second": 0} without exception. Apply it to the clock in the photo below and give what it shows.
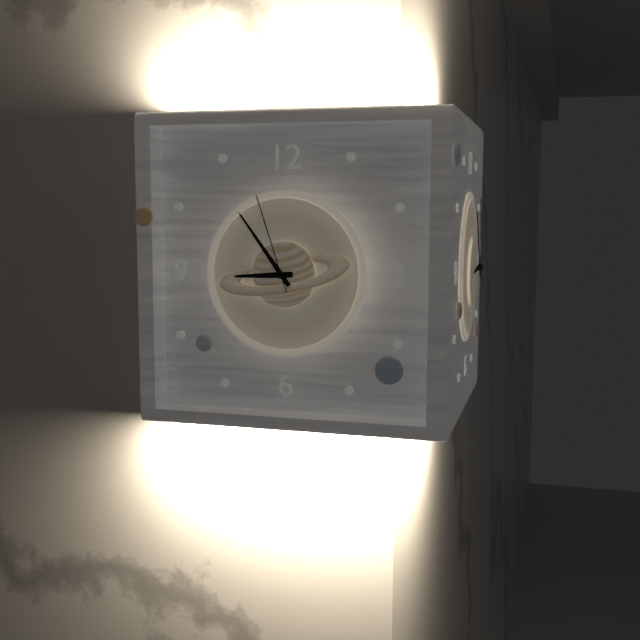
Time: {"hour": 8, "minute": 54, "second": 57}
